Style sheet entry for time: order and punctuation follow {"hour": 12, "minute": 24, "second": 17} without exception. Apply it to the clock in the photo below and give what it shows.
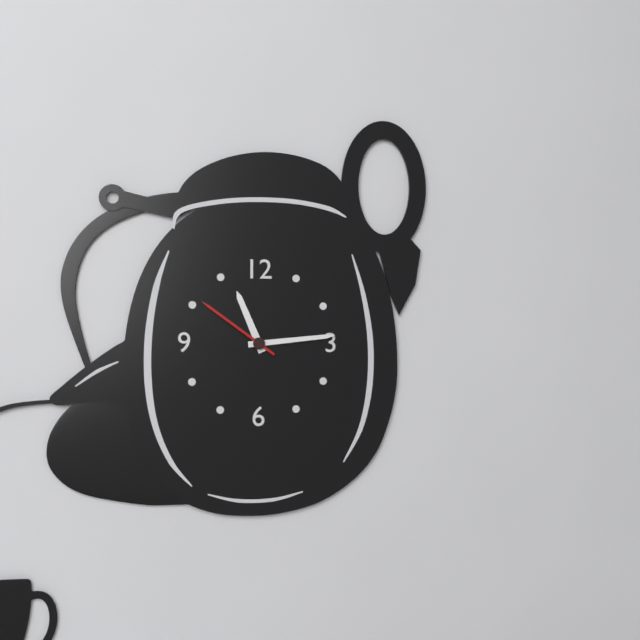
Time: {"hour": 11, "minute": 14, "second": 51}
